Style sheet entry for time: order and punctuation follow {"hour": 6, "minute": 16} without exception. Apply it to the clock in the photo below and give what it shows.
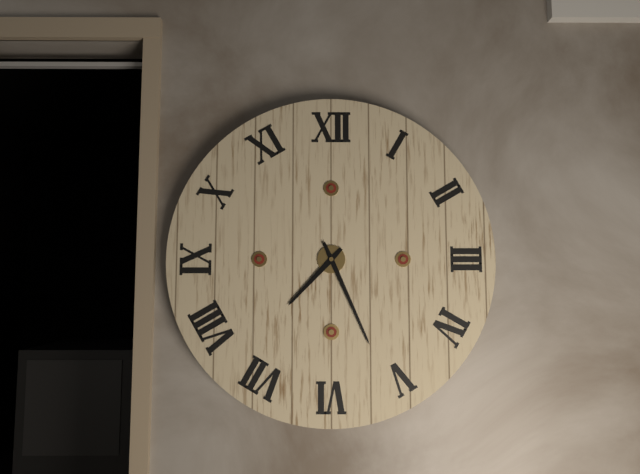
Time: {"hour": 7, "minute": 26}
